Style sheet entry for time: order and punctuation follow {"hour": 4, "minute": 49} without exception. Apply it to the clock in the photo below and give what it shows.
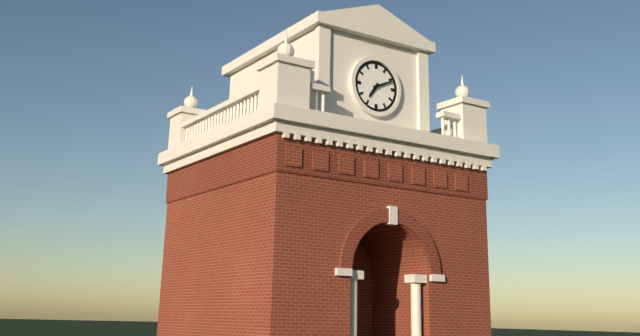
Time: {"hour": 7, "minute": 11}
